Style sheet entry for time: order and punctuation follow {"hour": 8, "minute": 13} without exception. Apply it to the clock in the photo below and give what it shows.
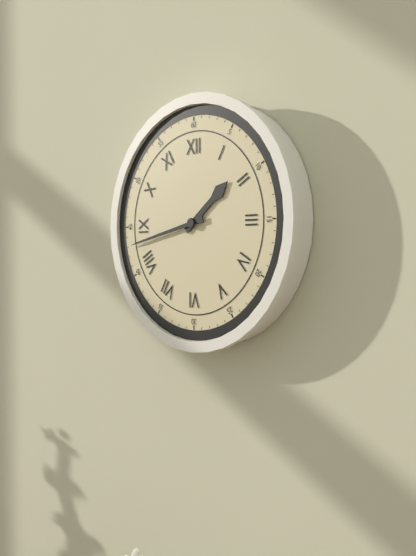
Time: {"hour": 1, "minute": 43}
